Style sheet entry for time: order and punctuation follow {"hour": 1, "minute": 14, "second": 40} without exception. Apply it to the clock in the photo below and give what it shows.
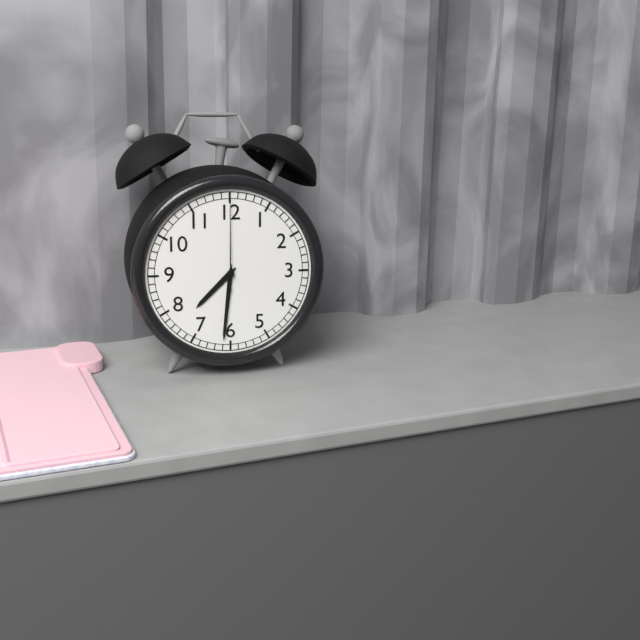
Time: {"hour": 7, "minute": 31, "second": 0}
